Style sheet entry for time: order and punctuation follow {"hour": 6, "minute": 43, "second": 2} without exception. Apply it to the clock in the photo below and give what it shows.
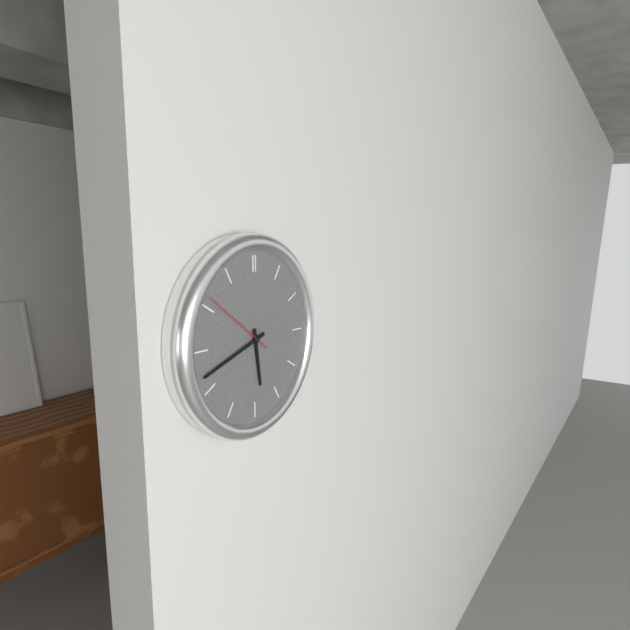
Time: {"hour": 5, "minute": 42, "second": 51}
